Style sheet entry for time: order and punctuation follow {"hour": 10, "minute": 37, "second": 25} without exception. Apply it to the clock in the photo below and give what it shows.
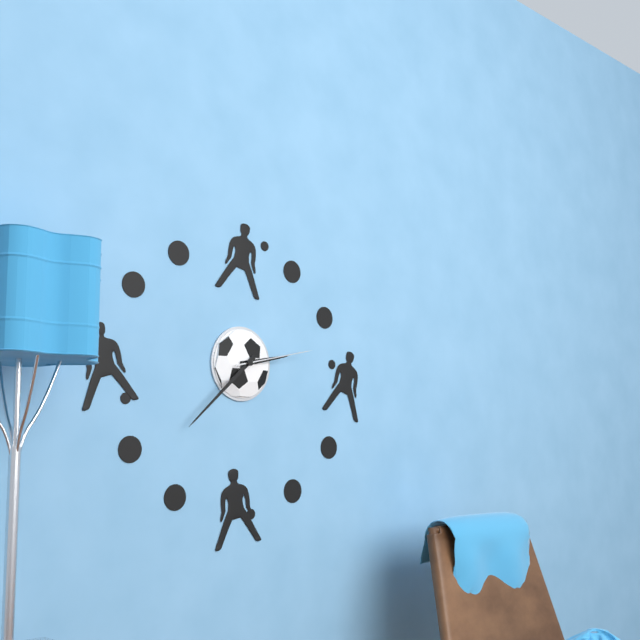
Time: {"hour": 2, "minute": 38, "second": 13}
